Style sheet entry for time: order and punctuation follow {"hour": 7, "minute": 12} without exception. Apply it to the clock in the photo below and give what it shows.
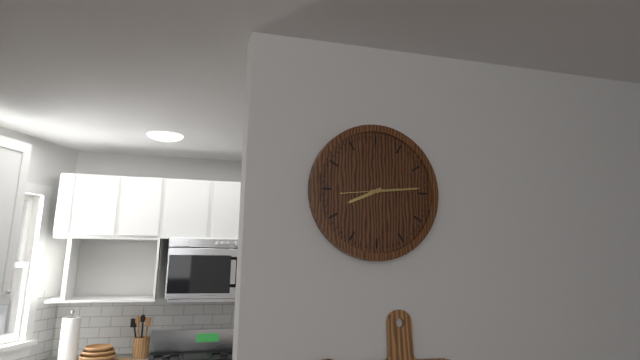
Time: {"hour": 8, "minute": 14}
